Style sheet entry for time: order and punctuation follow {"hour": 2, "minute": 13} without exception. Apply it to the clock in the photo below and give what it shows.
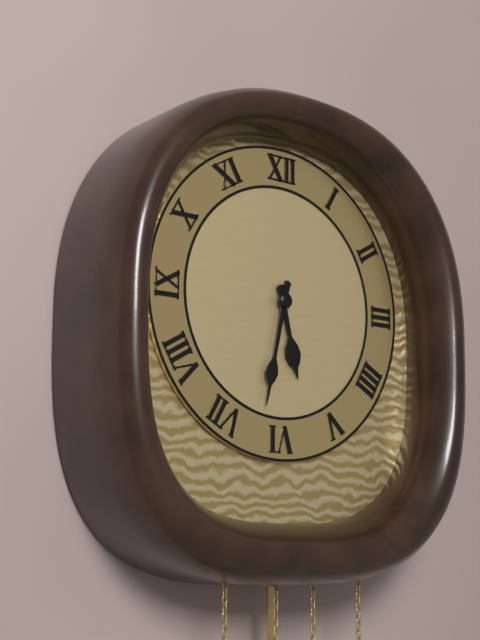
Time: {"hour": 5, "minute": 32}
